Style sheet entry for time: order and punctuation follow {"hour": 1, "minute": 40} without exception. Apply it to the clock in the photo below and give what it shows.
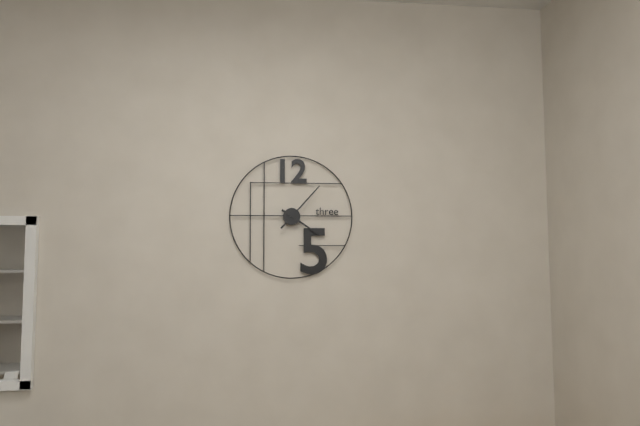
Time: {"hour": 4, "minute": 7}
